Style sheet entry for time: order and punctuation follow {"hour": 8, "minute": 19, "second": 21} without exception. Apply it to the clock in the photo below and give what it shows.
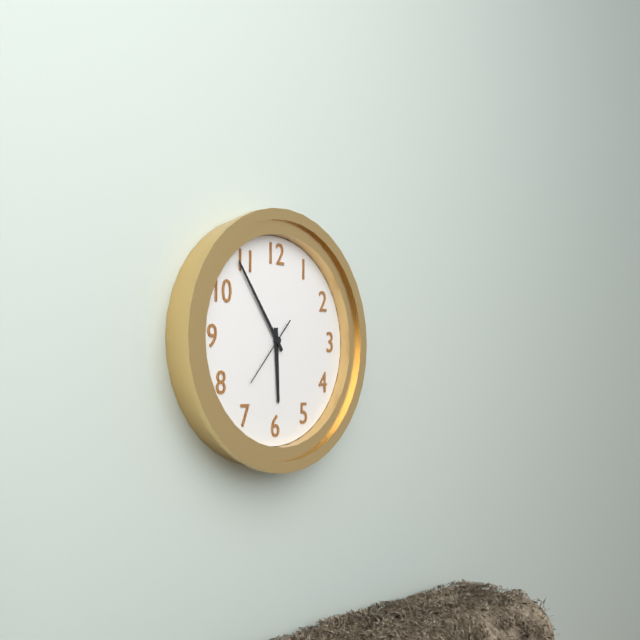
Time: {"hour": 5, "minute": 54, "second": 37}
